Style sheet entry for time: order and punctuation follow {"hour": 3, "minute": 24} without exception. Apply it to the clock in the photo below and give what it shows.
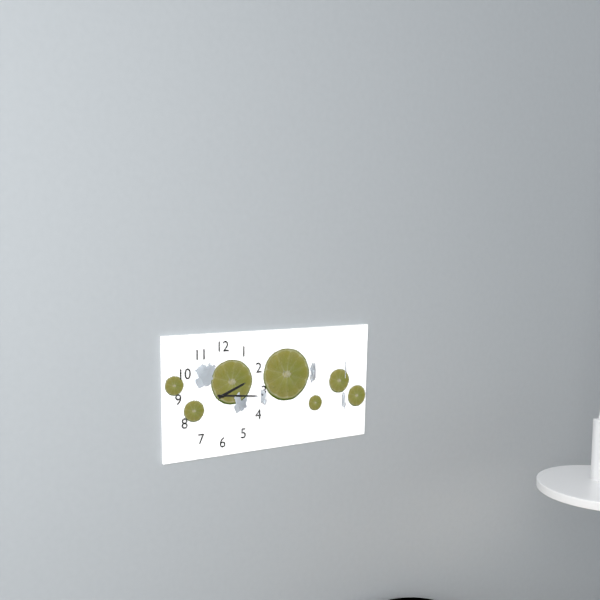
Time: {"hour": 2, "minute": 16}
